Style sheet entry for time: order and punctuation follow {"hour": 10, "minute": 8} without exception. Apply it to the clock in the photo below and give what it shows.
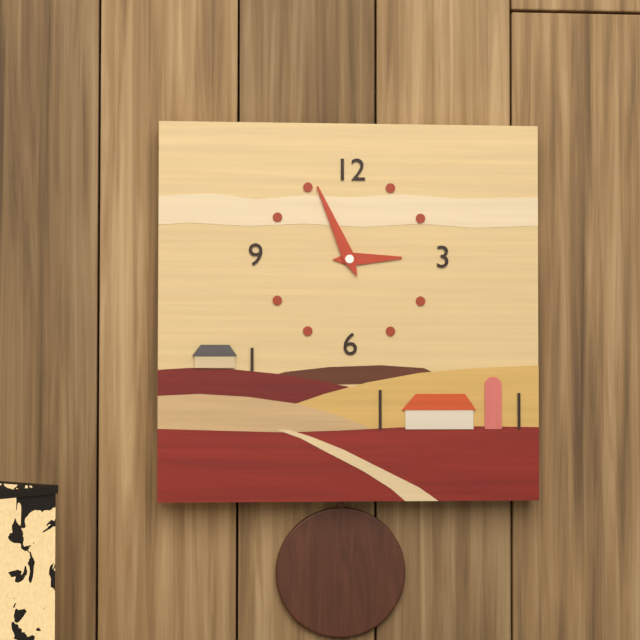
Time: {"hour": 2, "minute": 56}
